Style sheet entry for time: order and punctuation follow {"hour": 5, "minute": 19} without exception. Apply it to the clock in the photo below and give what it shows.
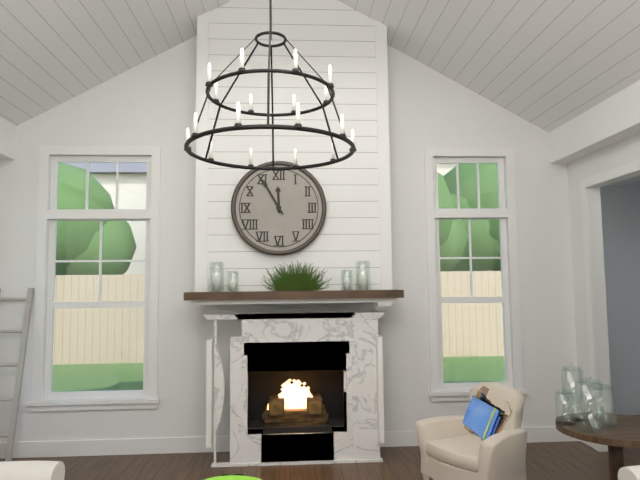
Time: {"hour": 11, "minute": 55}
